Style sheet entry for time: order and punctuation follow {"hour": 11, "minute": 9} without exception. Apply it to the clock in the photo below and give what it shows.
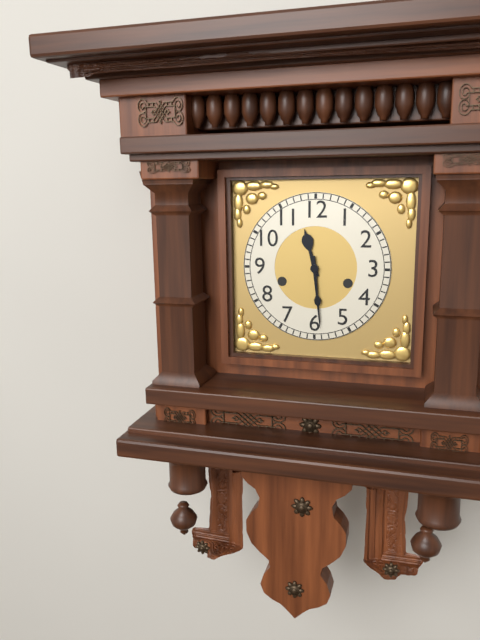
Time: {"hour": 11, "minute": 29}
